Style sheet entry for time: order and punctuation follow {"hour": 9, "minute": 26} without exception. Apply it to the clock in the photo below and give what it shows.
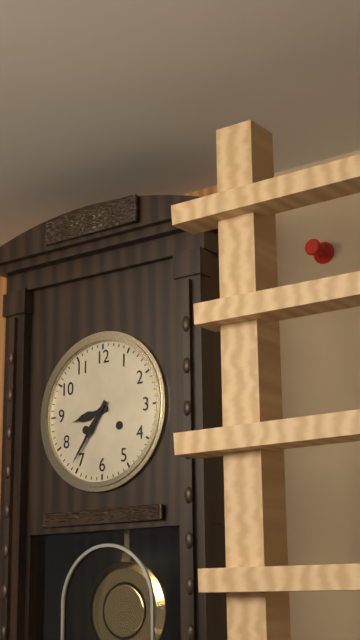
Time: {"hour": 8, "minute": 36}
